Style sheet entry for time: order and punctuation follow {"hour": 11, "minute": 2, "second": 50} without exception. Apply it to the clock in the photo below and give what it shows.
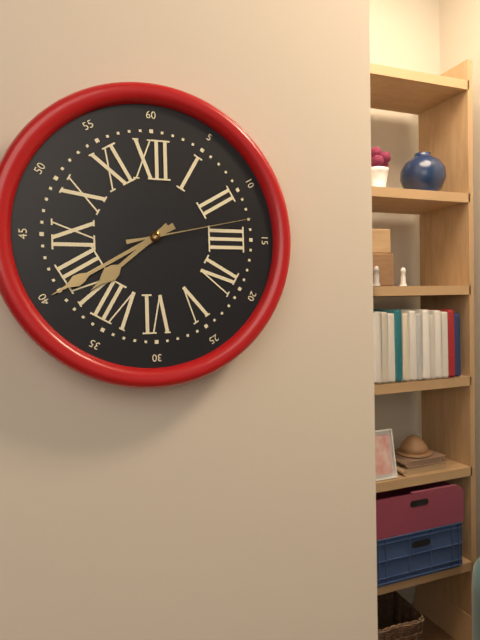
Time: {"hour": 7, "minute": 40, "second": 13}
